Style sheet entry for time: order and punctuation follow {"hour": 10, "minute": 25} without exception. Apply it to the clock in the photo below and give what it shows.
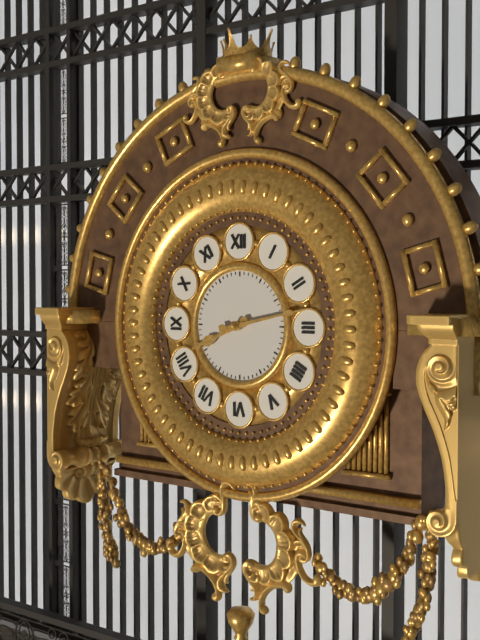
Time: {"hour": 8, "minute": 13}
